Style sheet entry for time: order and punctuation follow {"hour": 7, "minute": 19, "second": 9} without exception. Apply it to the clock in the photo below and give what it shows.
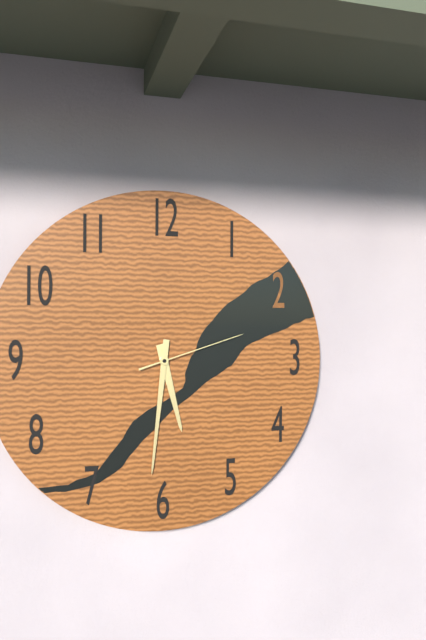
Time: {"hour": 5, "minute": 31, "second": 12}
